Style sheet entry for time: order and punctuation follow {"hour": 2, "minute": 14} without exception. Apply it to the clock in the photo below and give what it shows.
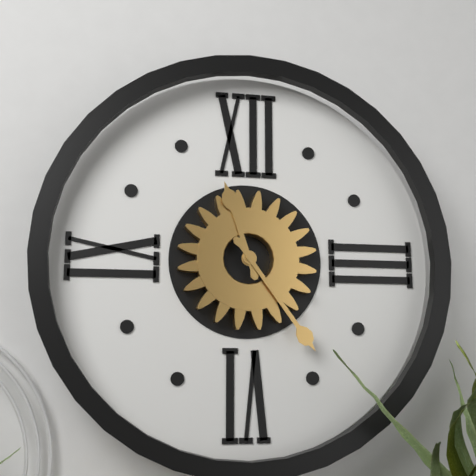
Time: {"hour": 11, "minute": 24}
